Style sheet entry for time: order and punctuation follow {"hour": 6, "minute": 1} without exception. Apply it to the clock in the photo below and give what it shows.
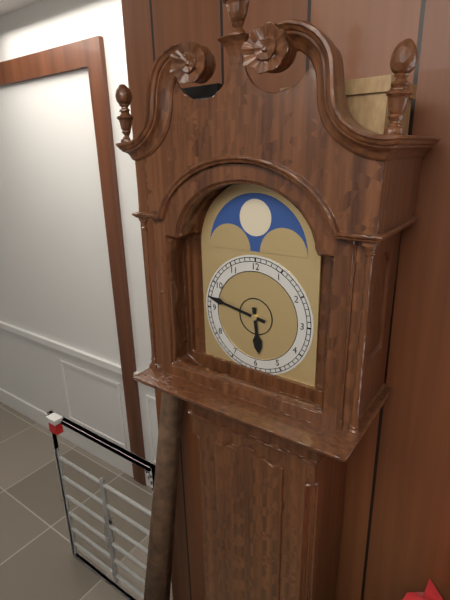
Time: {"hour": 5, "minute": 47}
